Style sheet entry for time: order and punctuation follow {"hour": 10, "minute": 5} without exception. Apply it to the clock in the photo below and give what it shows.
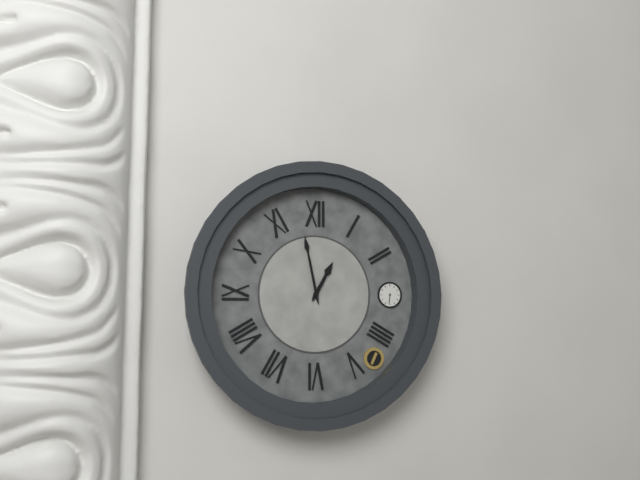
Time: {"hour": 12, "minute": 58}
